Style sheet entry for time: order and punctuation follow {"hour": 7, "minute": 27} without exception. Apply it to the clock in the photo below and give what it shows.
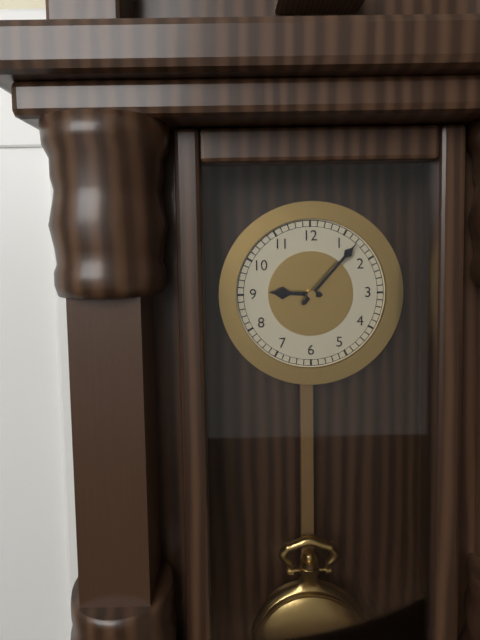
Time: {"hour": 9, "minute": 7}
